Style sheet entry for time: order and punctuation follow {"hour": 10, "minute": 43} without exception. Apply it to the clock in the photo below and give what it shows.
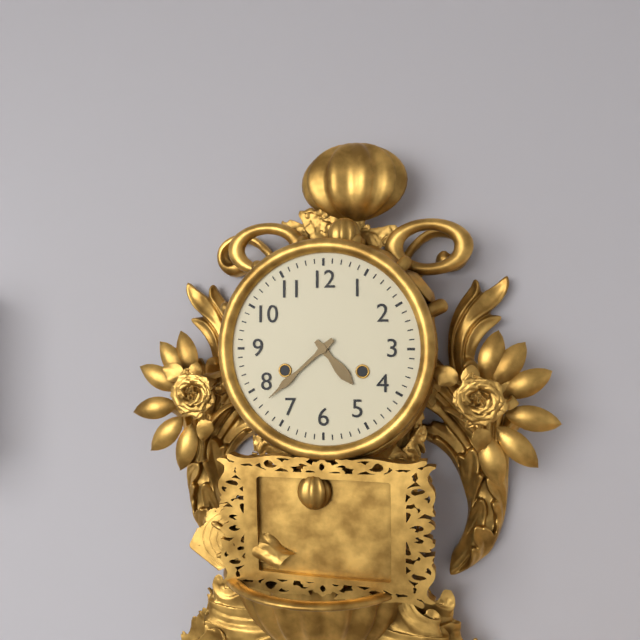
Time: {"hour": 4, "minute": 38}
